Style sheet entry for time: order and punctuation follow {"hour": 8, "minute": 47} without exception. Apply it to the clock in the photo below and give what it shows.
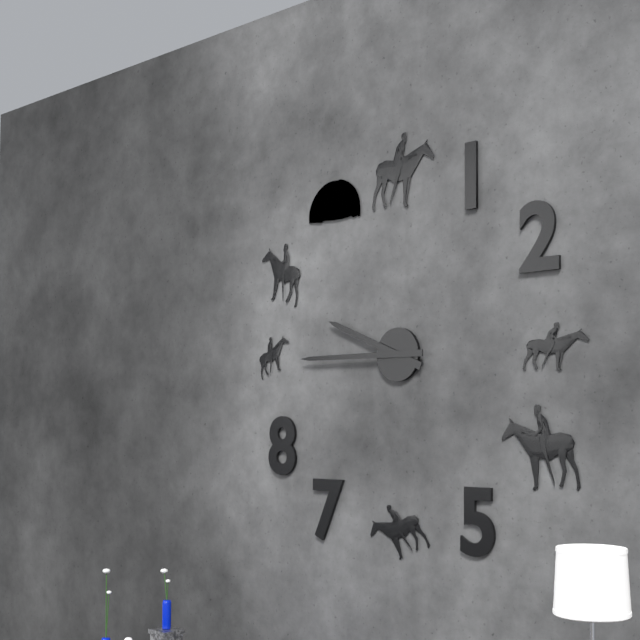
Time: {"hour": 9, "minute": 45}
